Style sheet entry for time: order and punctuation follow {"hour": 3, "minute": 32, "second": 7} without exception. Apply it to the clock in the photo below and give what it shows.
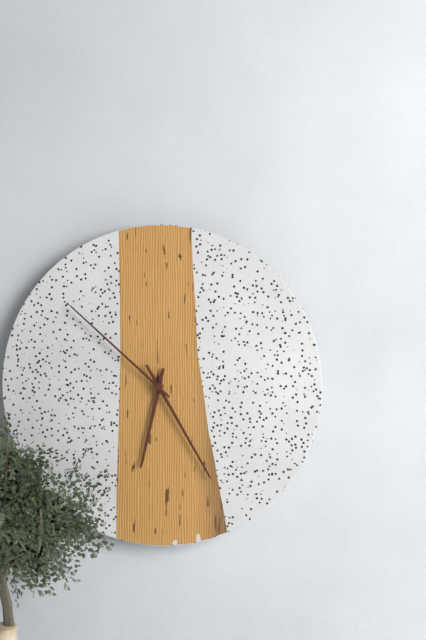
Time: {"hour": 6, "minute": 25, "second": 52}
